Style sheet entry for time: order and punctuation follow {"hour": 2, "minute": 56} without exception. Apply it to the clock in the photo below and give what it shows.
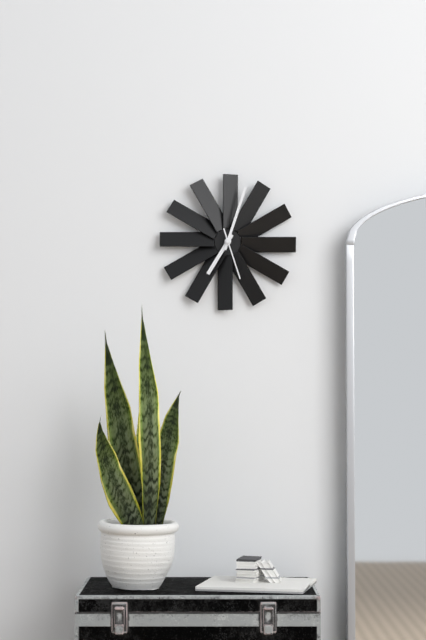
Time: {"hour": 7, "minute": 3}
